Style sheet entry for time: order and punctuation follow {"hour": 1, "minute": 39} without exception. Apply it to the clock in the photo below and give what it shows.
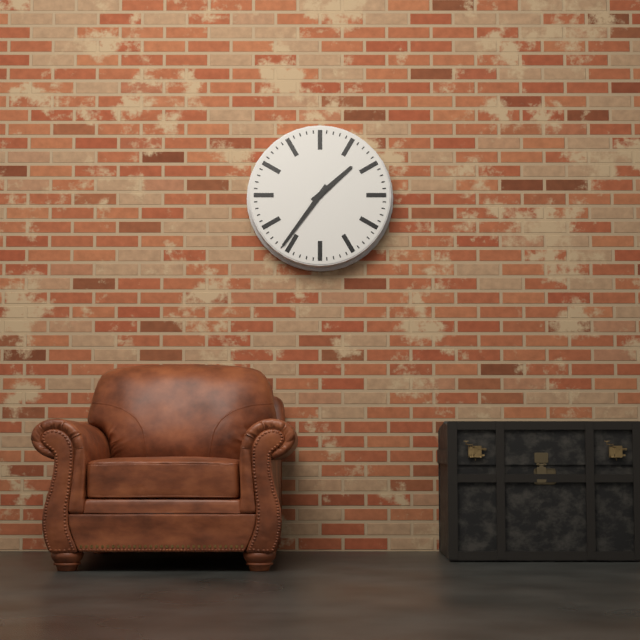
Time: {"hour": 1, "minute": 36}
